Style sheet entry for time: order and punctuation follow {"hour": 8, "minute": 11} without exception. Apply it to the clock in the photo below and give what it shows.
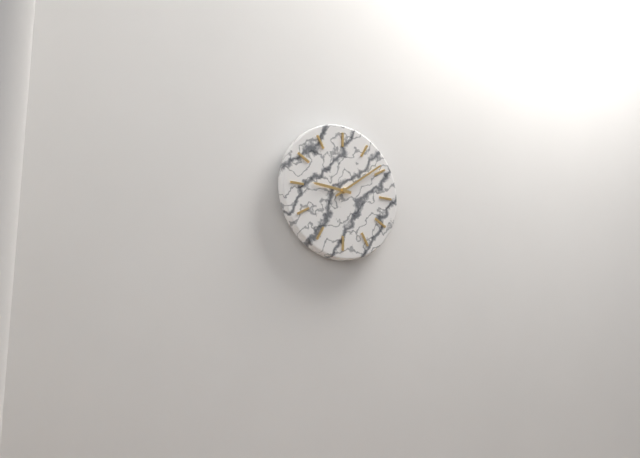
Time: {"hour": 9, "minute": 9}
